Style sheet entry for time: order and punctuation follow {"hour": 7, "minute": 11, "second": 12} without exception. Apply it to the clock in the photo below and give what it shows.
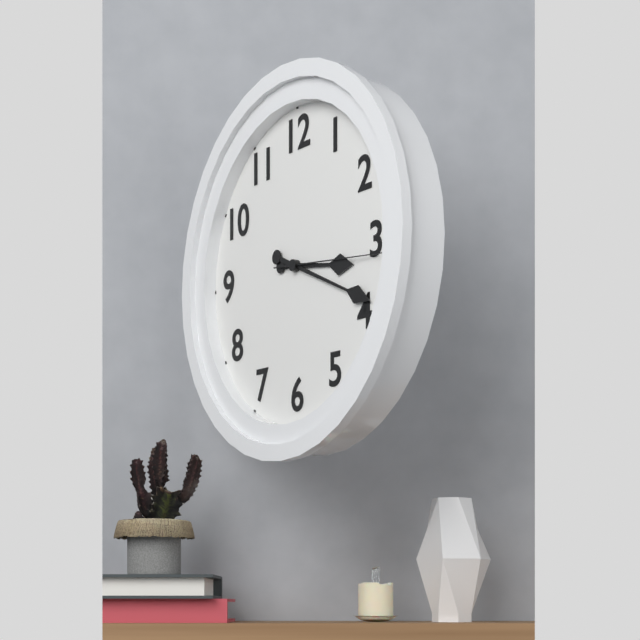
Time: {"hour": 3, "minute": 19, "second": 16}
